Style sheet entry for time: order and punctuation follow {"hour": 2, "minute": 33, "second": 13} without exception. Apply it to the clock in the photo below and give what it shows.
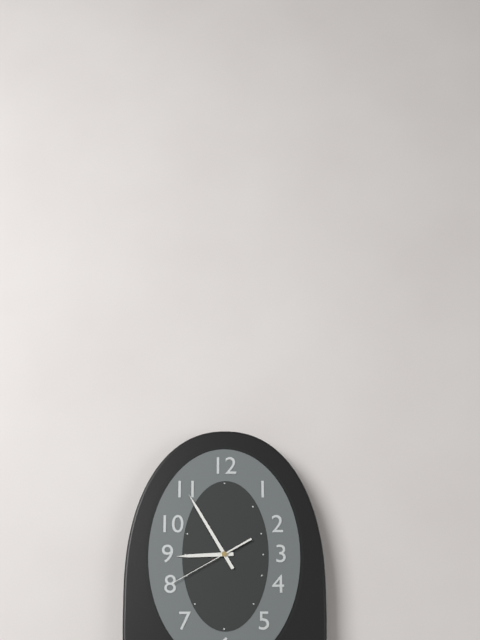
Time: {"hour": 8, "minute": 55, "second": 40}
